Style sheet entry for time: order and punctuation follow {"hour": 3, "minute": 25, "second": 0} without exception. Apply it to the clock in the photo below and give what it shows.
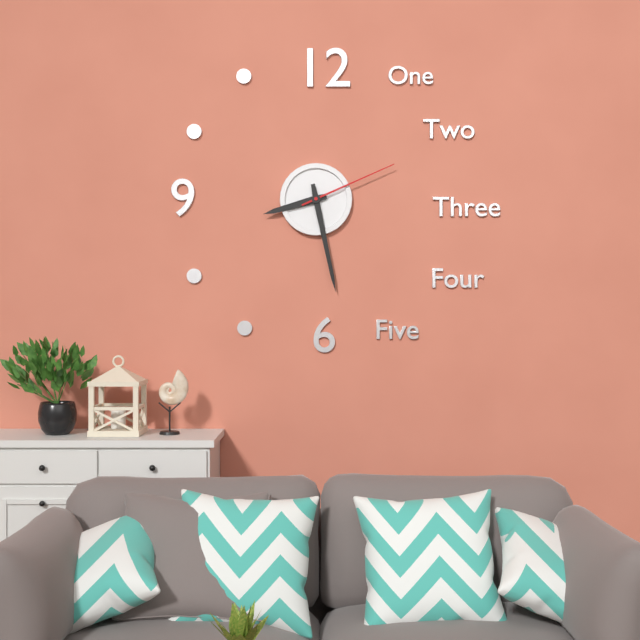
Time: {"hour": 8, "minute": 28, "second": 11}
